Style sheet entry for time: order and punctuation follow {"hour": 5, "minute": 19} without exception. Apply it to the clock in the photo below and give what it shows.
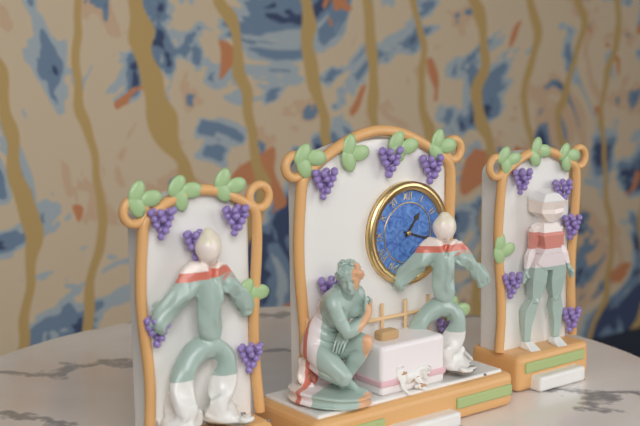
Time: {"hour": 1, "minute": 18}
